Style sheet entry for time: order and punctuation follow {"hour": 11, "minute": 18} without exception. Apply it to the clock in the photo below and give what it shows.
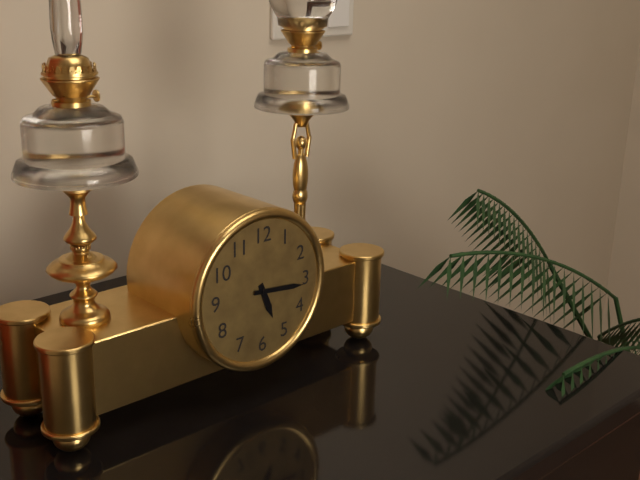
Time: {"hour": 5, "minute": 16}
